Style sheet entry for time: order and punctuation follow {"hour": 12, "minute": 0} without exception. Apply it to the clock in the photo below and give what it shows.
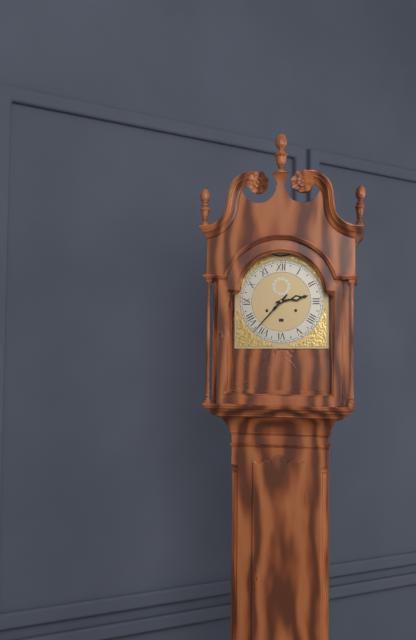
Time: {"hour": 2, "minute": 37}
